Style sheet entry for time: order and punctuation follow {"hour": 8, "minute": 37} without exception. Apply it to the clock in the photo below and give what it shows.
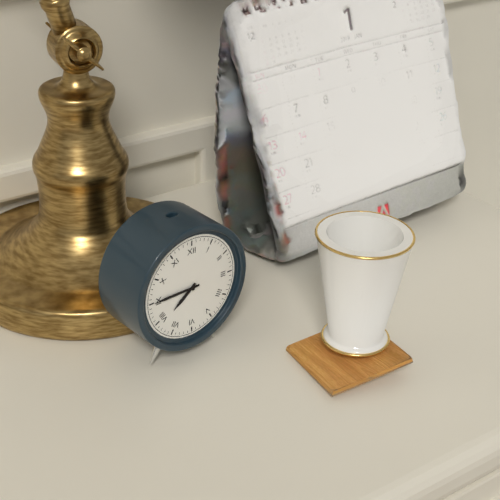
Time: {"hour": 7, "minute": 45}
